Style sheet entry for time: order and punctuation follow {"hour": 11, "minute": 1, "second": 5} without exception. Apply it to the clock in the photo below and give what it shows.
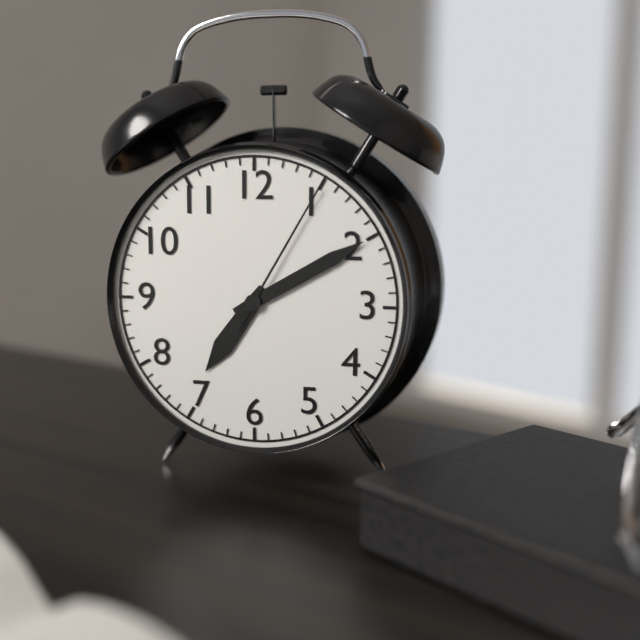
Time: {"hour": 7, "minute": 10, "second": 5}
